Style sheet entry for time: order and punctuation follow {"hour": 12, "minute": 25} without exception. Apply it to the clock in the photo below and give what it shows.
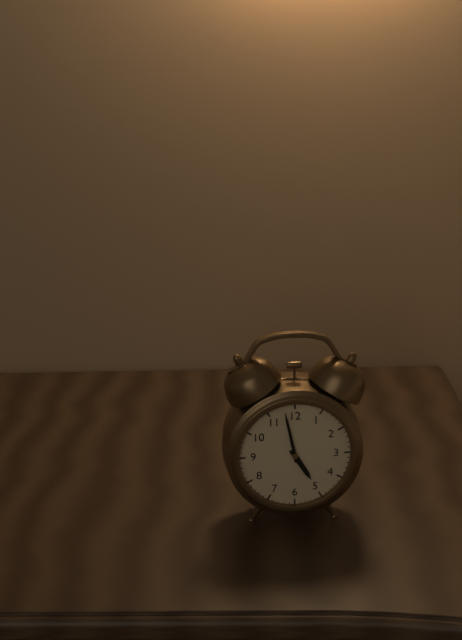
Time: {"hour": 4, "minute": 58}
